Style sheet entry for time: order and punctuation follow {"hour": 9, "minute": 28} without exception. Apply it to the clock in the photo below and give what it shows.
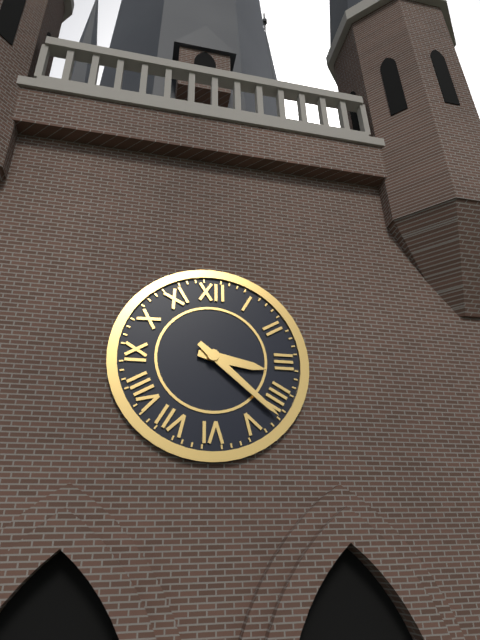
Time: {"hour": 3, "minute": 22}
